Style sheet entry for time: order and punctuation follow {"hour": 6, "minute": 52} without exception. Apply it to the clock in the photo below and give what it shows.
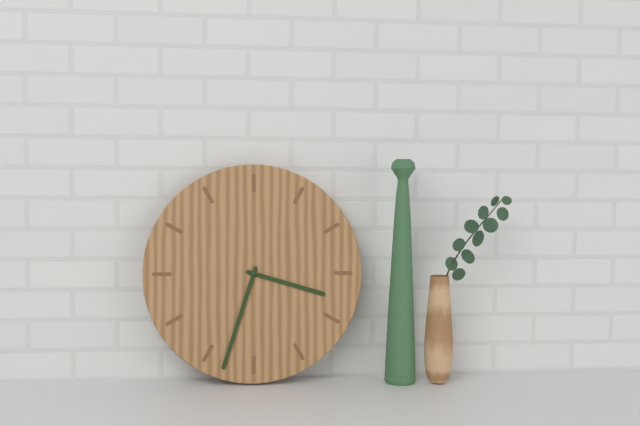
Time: {"hour": 3, "minute": 33}
